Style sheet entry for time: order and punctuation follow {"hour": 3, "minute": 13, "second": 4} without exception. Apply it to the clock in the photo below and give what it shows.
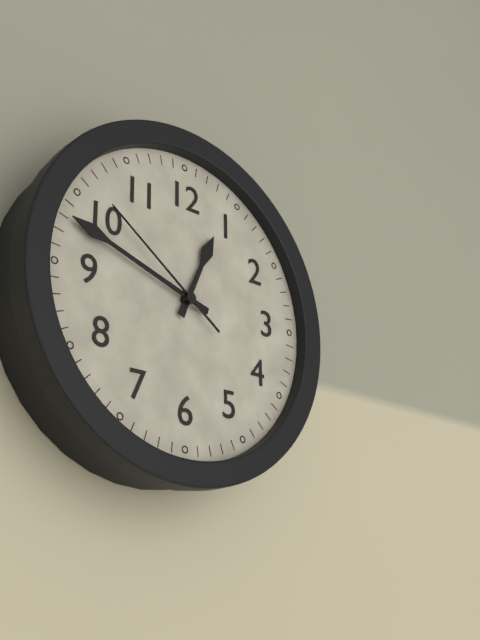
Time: {"hour": 12, "minute": 48, "second": 51}
